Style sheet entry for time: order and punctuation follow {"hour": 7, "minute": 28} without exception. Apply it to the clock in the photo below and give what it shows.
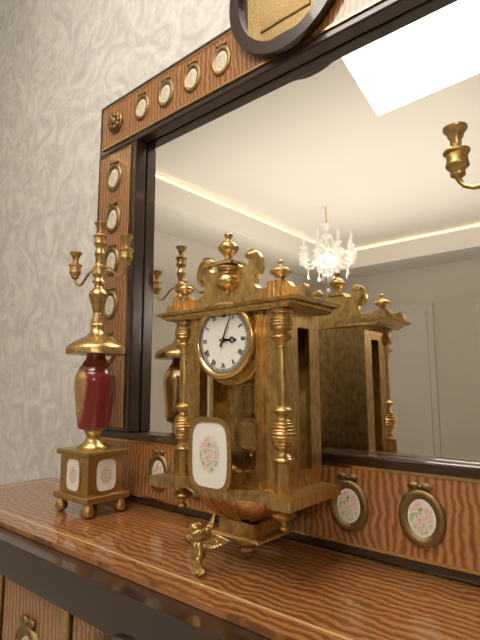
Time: {"hour": 3, "minute": 4}
